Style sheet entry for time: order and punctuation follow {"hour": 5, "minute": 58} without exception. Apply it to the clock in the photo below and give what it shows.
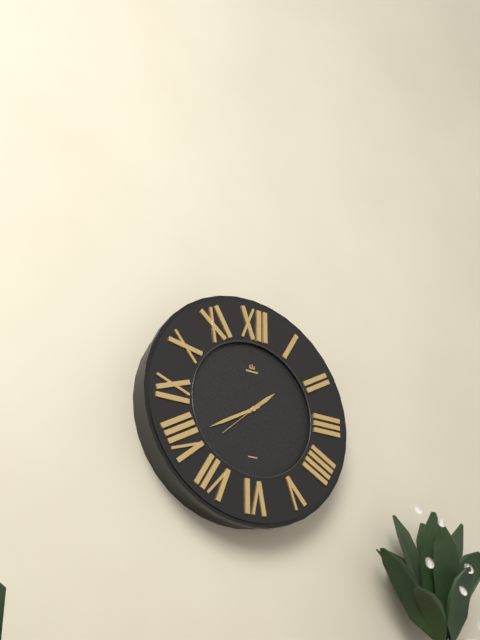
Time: {"hour": 1, "minute": 40}
